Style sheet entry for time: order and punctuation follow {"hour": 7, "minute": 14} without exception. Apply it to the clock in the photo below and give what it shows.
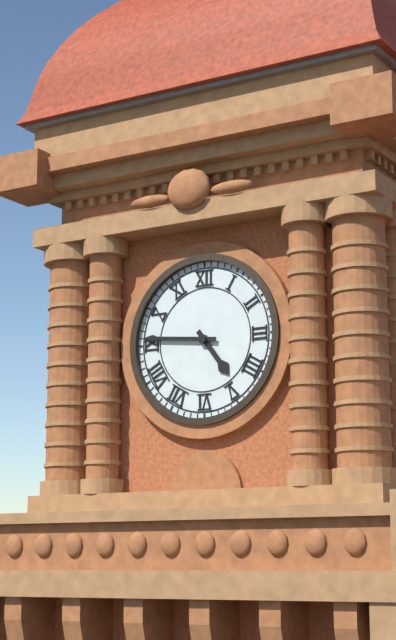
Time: {"hour": 4, "minute": 46}
